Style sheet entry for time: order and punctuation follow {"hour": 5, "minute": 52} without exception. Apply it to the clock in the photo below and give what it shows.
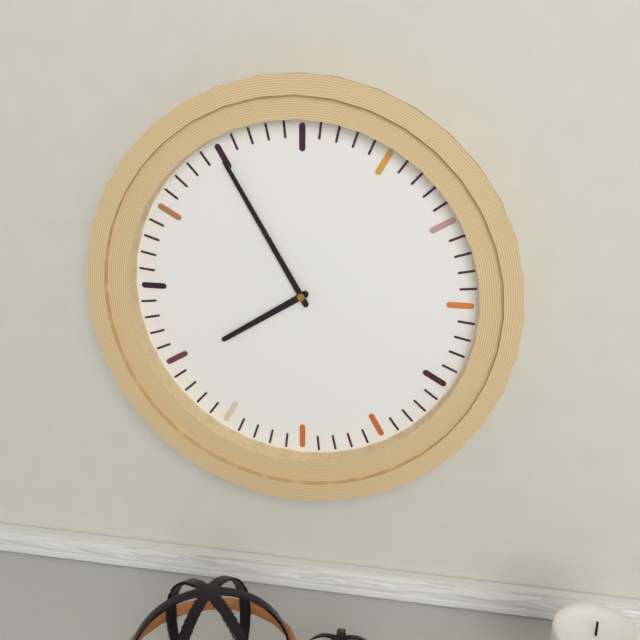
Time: {"hour": 7, "minute": 55}
